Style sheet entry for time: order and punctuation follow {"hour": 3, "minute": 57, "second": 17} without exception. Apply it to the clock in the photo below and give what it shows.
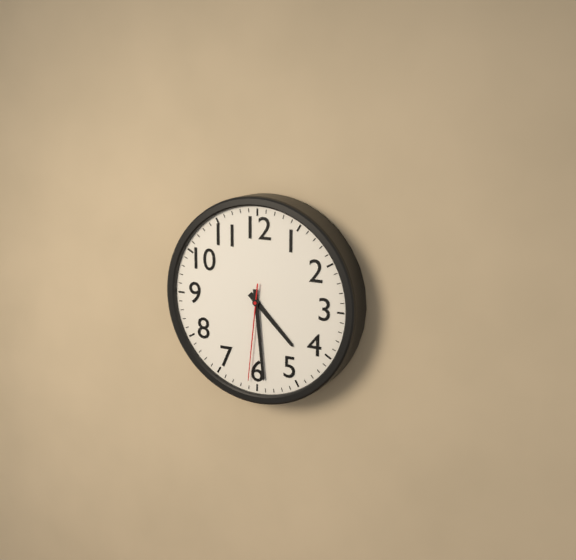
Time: {"hour": 4, "minute": 29, "second": 31}
